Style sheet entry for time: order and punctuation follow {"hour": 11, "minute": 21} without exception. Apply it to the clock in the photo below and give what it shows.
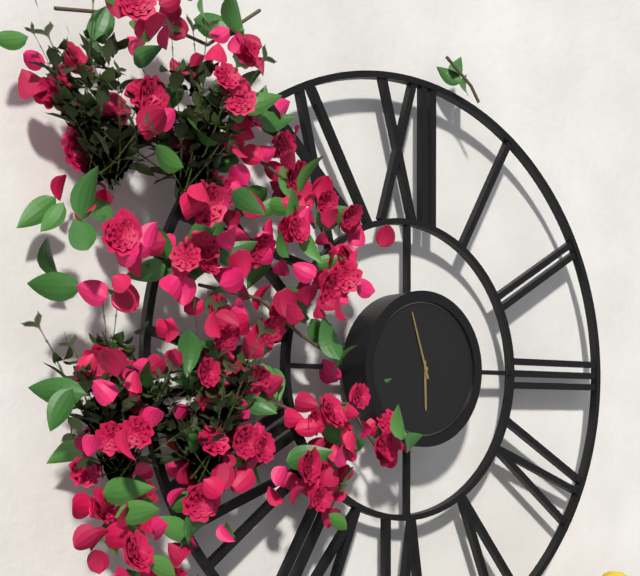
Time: {"hour": 5, "minute": 57}
